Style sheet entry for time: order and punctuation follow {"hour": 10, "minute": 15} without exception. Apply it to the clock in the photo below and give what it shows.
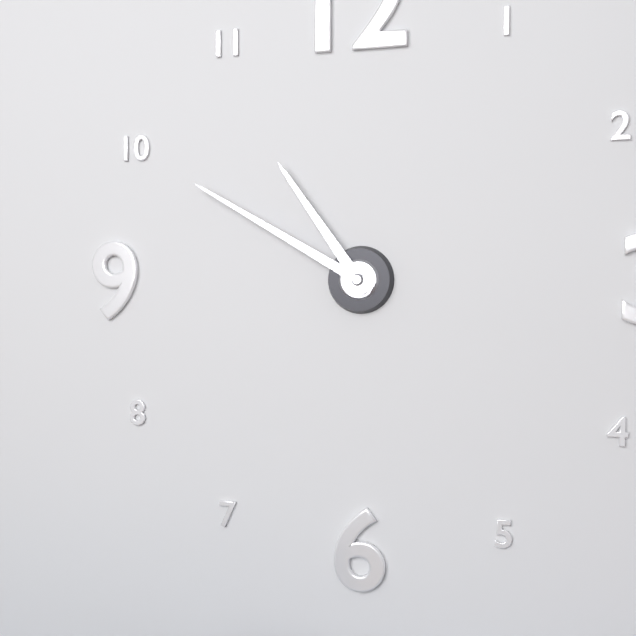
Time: {"hour": 10, "minute": 50}
